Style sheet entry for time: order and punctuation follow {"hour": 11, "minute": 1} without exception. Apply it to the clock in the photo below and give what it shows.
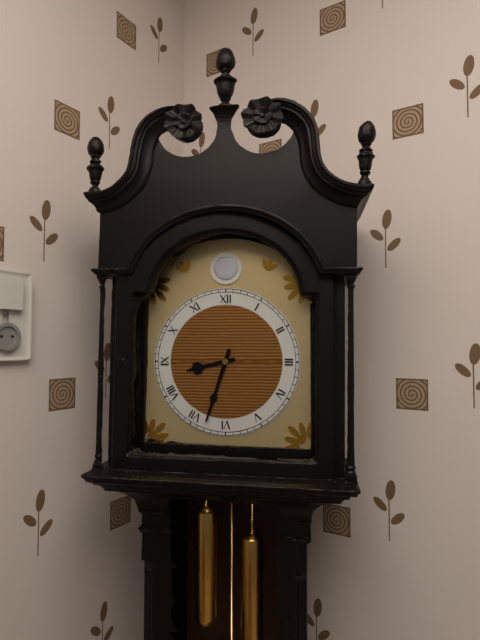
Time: {"hour": 8, "minute": 33}
